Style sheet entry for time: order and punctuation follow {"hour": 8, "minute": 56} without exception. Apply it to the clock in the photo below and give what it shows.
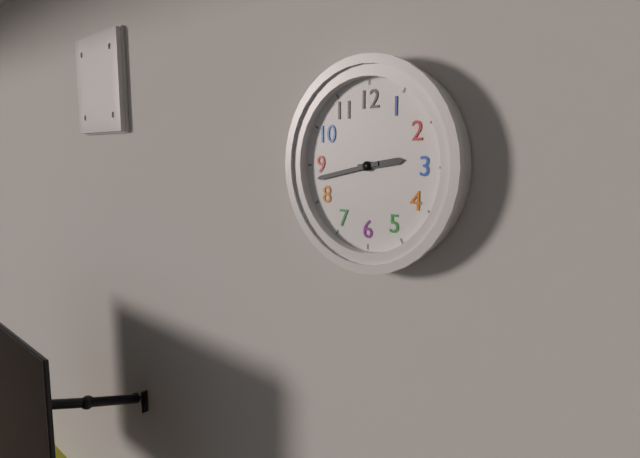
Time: {"hour": 2, "minute": 43}
